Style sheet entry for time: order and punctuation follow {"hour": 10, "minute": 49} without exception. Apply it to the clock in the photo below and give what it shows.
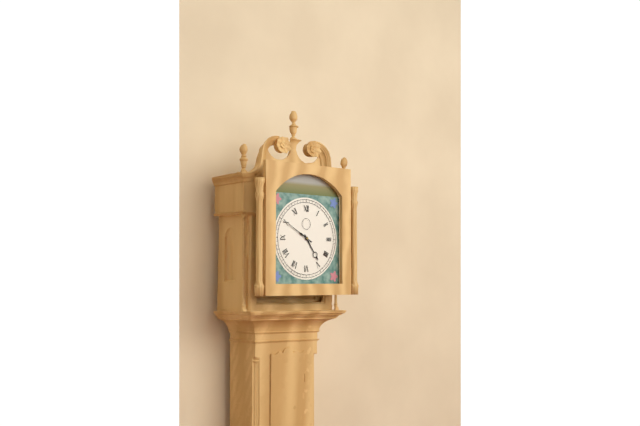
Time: {"hour": 4, "minute": 50}
